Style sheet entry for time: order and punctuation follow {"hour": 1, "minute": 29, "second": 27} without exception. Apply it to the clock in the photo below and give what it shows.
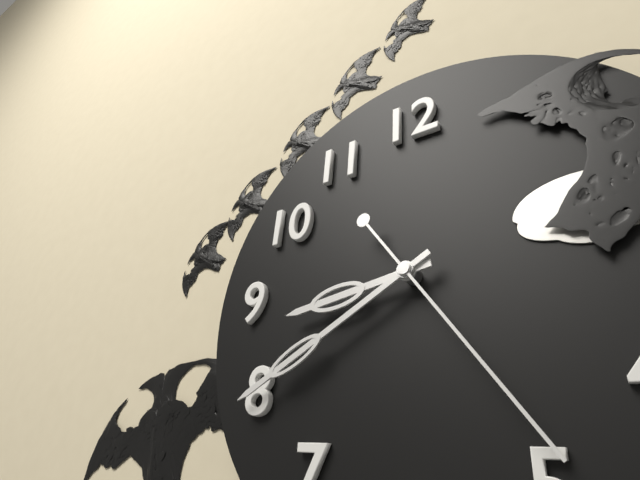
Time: {"hour": 8, "minute": 40, "second": 24}
